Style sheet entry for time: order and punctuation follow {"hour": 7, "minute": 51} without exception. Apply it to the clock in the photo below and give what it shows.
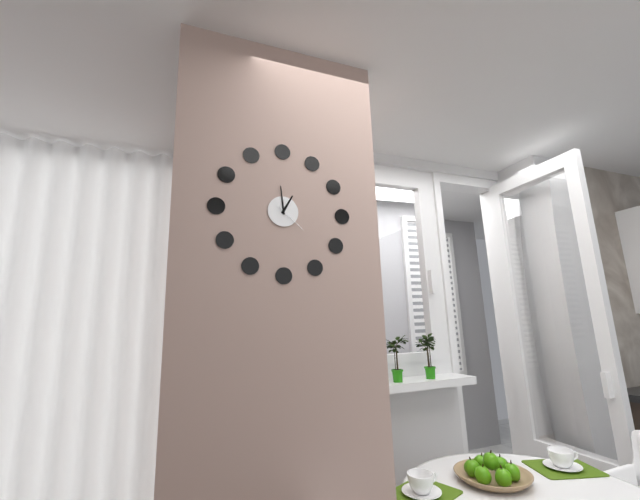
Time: {"hour": 12, "minute": 59}
